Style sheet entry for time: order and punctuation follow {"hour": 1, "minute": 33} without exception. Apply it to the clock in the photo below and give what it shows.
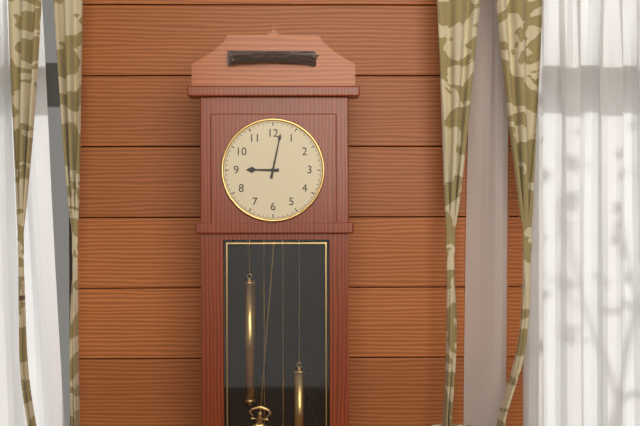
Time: {"hour": 9, "minute": 2}
